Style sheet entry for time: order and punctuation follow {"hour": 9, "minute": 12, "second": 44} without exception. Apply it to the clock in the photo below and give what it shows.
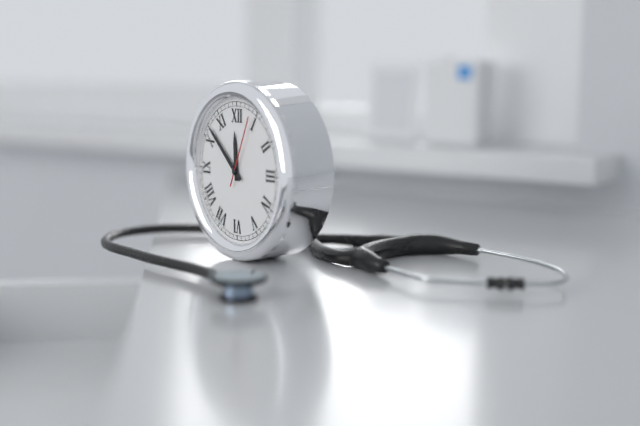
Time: {"hour": 11, "minute": 52, "second": 4}
